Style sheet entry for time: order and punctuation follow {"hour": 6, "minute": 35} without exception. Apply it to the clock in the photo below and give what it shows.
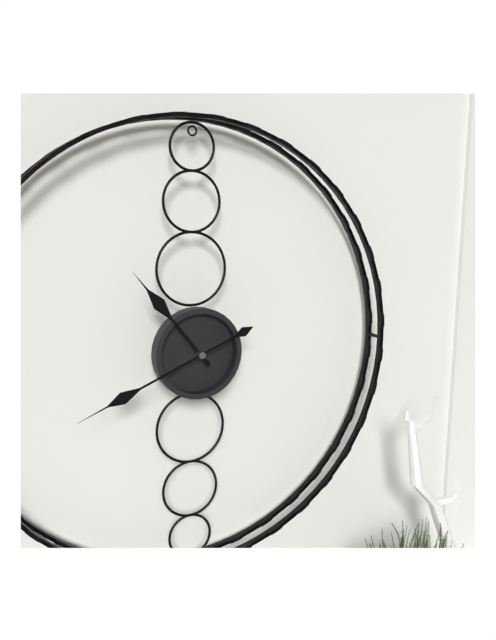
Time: {"hour": 10, "minute": 41}
